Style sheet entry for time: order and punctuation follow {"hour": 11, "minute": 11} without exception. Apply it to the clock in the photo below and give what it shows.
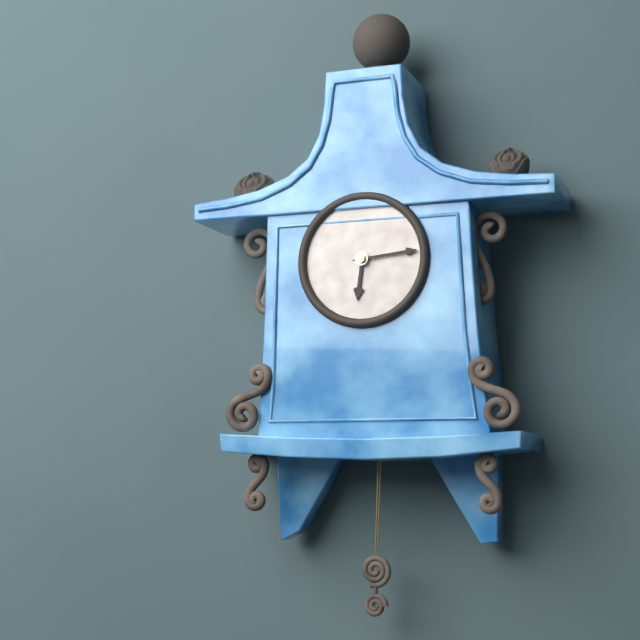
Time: {"hour": 6, "minute": 14}
